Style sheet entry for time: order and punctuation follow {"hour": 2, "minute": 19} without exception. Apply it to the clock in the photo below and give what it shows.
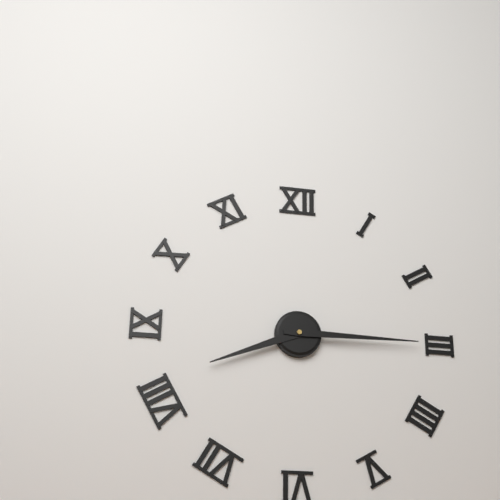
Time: {"hour": 8, "minute": 15}
